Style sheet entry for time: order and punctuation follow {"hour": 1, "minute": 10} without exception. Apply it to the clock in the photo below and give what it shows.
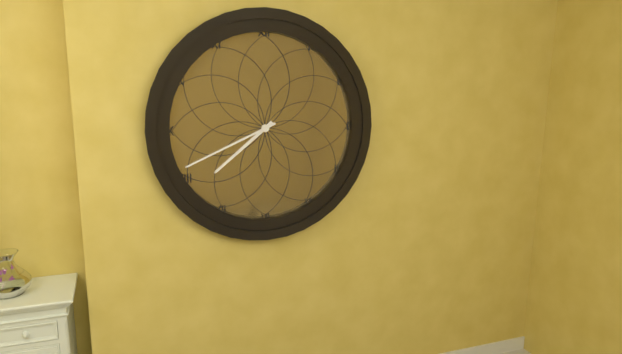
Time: {"hour": 7, "minute": 41}
